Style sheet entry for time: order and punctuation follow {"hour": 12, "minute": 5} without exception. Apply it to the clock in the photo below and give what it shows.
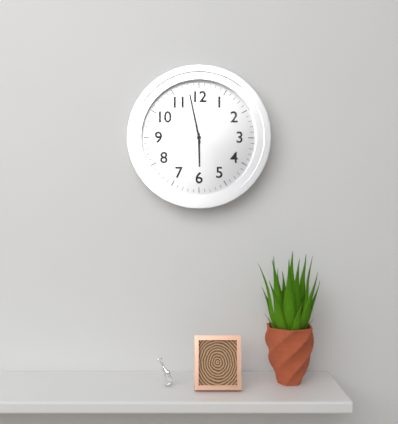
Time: {"hour": 5, "minute": 58}
